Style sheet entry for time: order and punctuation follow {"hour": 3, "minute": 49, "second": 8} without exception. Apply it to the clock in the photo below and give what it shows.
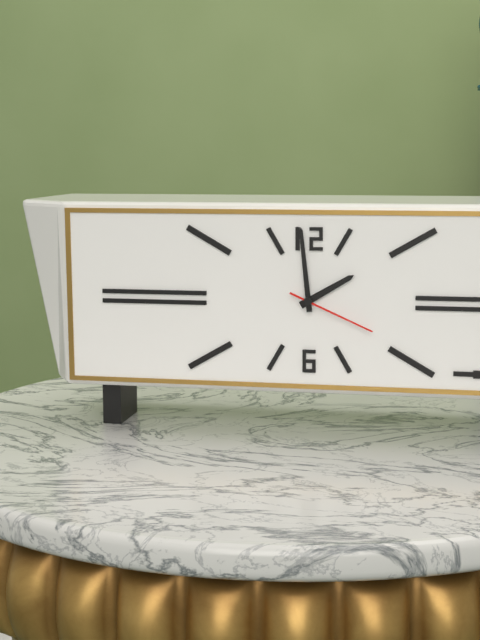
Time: {"hour": 1, "minute": 59, "second": 19}
